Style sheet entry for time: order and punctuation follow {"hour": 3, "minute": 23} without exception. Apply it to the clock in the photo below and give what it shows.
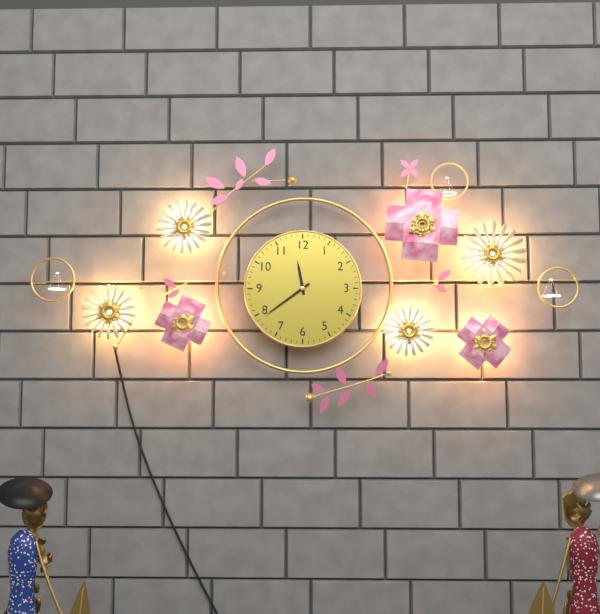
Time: {"hour": 11, "minute": 39}
